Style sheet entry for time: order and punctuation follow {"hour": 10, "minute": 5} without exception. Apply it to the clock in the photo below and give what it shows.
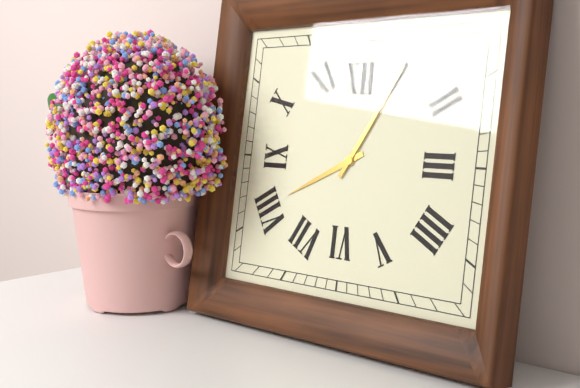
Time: {"hour": 8, "minute": 5}
